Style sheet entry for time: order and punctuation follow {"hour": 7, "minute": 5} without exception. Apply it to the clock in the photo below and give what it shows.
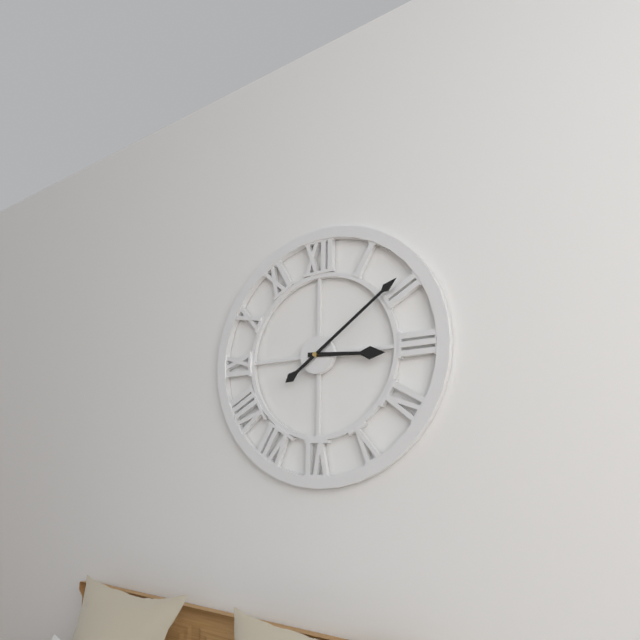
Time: {"hour": 3, "minute": 9}
